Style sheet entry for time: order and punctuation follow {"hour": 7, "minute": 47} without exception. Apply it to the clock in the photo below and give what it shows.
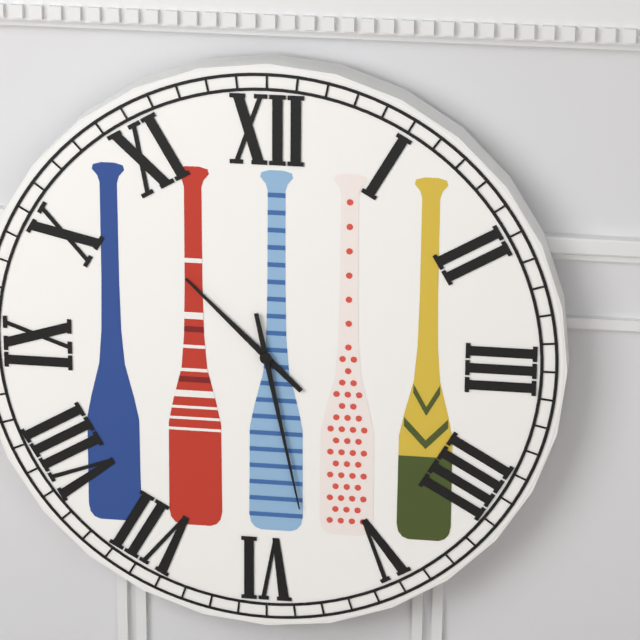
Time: {"hour": 10, "minute": 28}
